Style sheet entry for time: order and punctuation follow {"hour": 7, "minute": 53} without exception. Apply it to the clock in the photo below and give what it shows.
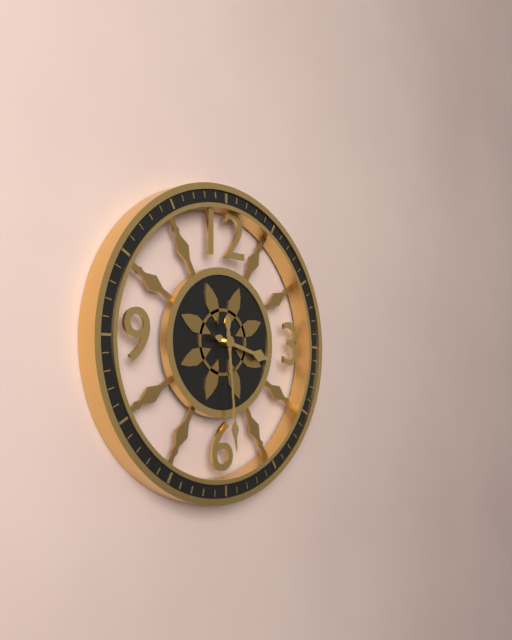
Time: {"hour": 3, "minute": 29}
